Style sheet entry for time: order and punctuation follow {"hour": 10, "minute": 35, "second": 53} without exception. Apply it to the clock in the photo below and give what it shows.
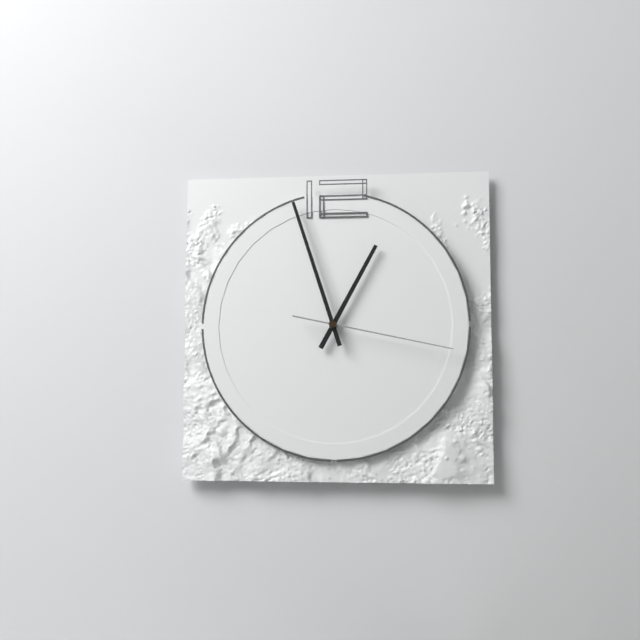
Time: {"hour": 12, "minute": 57, "second": 17}
